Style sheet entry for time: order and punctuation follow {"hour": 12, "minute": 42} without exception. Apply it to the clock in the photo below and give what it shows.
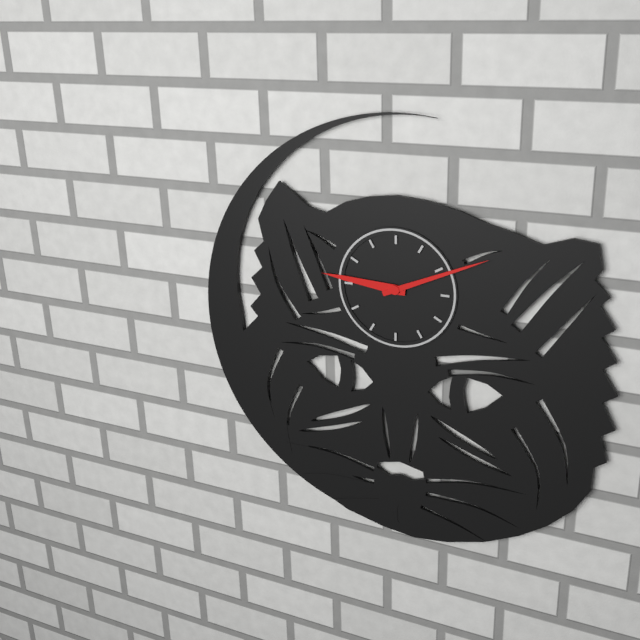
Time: {"hour": 9, "minute": 11}
